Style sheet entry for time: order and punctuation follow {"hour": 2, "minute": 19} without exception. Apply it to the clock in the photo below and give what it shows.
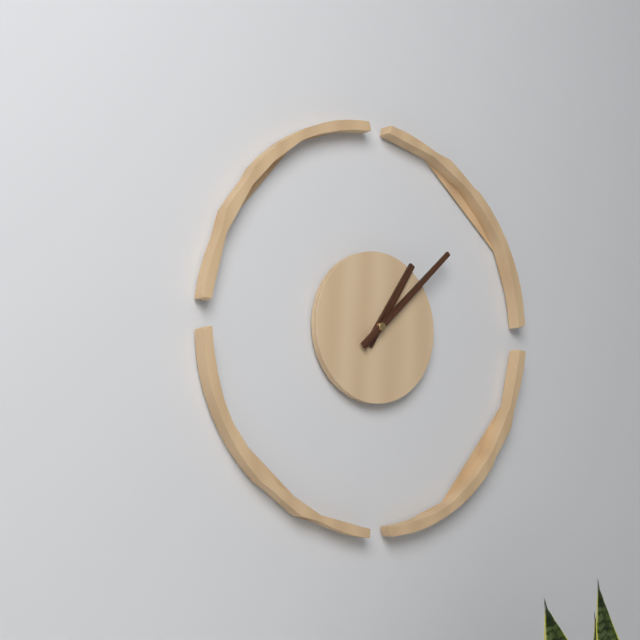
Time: {"hour": 1, "minute": 8}
